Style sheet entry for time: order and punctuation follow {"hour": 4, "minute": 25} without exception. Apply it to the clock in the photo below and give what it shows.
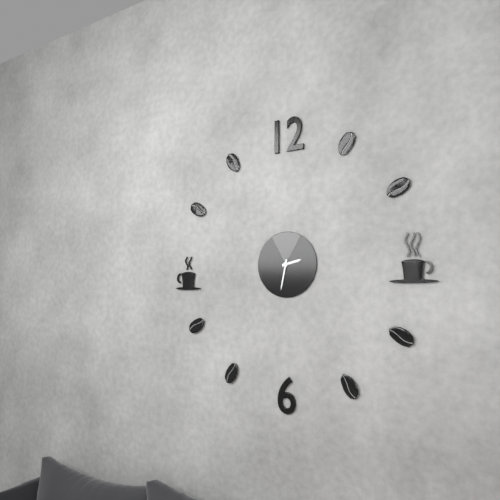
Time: {"hour": 2, "minute": 32}
